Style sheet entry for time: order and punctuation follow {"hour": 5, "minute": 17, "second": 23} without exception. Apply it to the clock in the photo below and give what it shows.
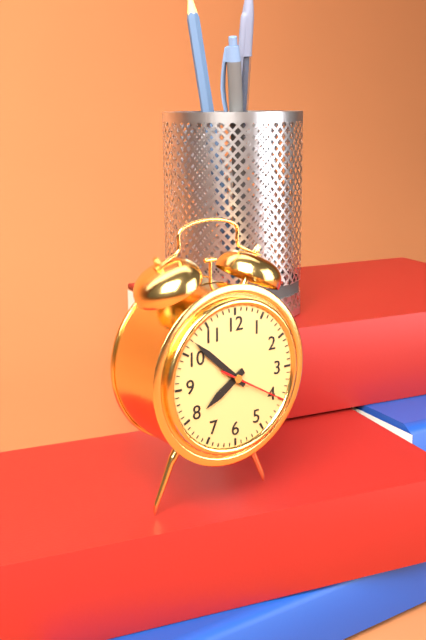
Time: {"hour": 7, "minute": 52, "second": 20}
